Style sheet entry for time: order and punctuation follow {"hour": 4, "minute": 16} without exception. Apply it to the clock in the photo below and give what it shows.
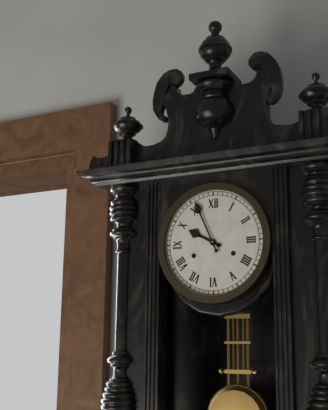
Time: {"hour": 9, "minute": 56}
